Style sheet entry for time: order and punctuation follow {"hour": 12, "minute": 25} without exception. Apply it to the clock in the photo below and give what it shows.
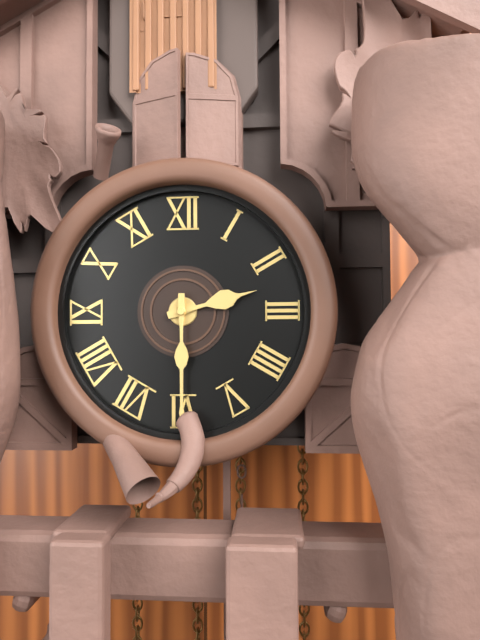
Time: {"hour": 2, "minute": 30}
